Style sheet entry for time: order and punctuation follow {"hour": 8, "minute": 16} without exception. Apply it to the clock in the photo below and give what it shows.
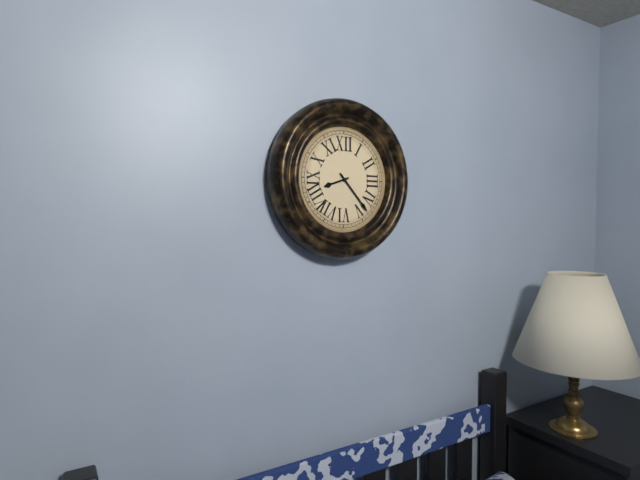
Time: {"hour": 8, "minute": 23}
